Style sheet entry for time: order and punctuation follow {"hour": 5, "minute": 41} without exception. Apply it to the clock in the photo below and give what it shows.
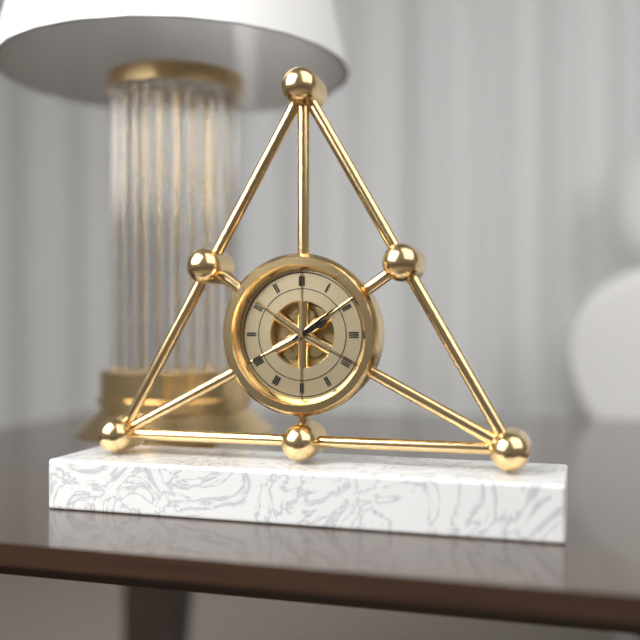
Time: {"hour": 2, "minute": 9}
